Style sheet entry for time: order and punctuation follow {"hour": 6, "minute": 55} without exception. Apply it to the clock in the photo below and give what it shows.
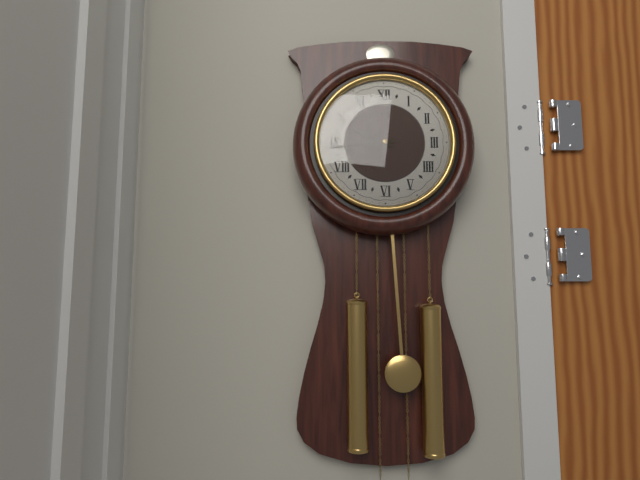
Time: {"hour": 9, "minute": 44}
